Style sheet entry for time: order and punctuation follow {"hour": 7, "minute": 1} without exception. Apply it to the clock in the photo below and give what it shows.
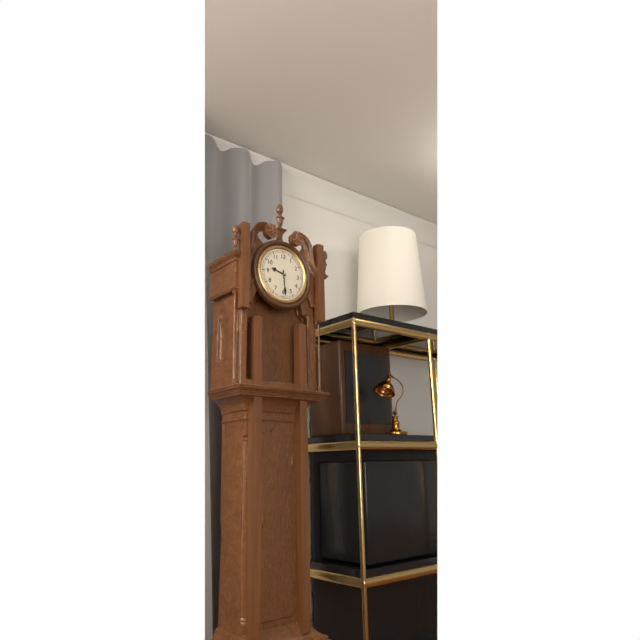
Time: {"hour": 9, "minute": 29}
